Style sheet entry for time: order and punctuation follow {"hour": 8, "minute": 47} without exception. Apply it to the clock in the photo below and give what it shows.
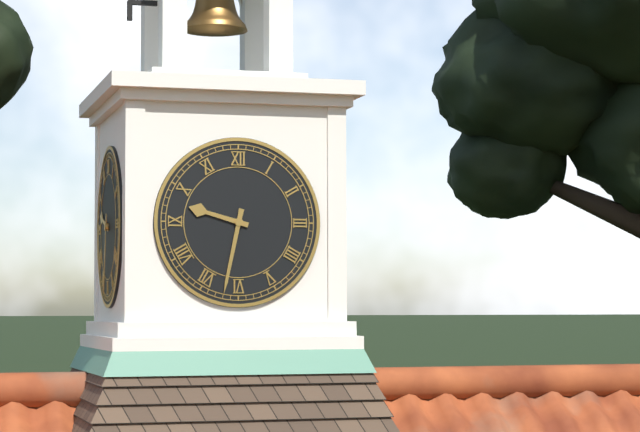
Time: {"hour": 9, "minute": 32}
